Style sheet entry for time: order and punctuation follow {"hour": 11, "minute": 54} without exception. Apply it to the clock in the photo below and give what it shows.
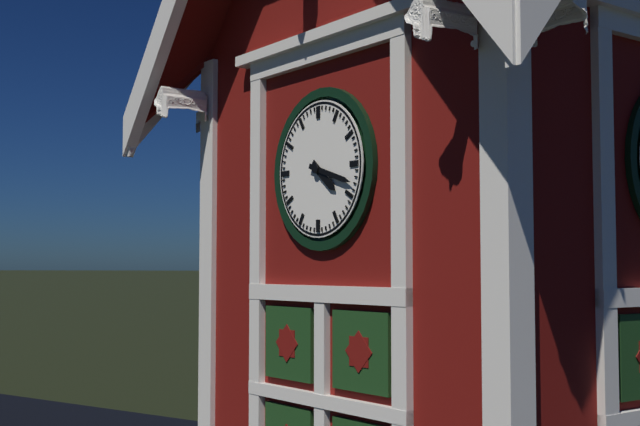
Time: {"hour": 4, "minute": 18}
